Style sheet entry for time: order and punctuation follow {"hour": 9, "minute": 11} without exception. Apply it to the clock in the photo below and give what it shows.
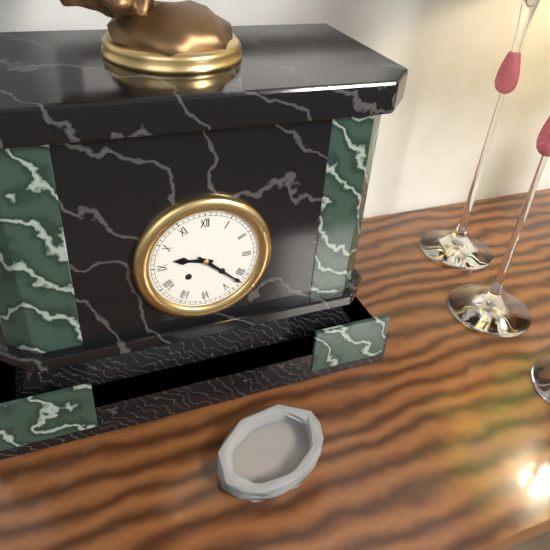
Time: {"hour": 9, "minute": 22}
